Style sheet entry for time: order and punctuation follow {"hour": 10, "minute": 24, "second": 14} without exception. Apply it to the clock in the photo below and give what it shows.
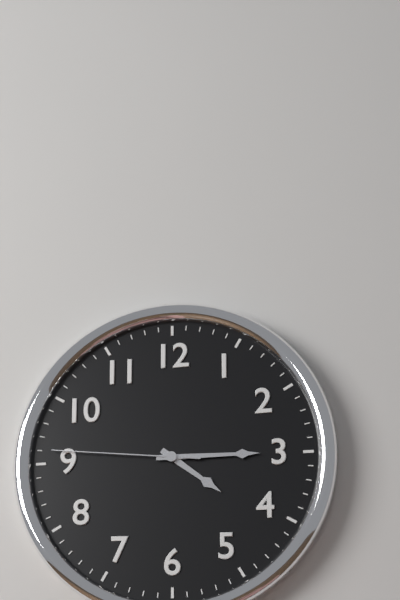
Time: {"hour": 4, "minute": 15, "second": 46}
